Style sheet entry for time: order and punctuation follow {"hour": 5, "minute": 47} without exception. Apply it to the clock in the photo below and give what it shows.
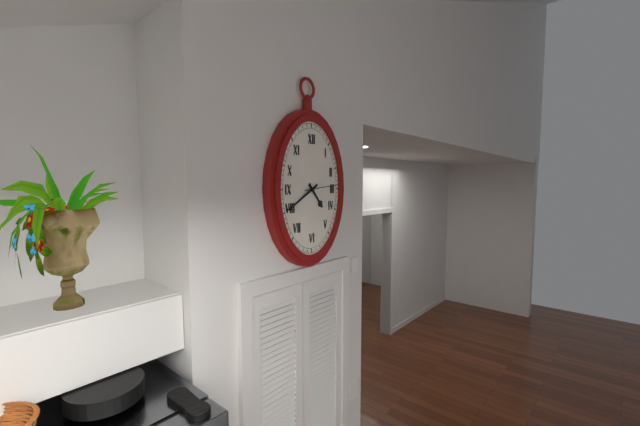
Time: {"hour": 4, "minute": 40}
